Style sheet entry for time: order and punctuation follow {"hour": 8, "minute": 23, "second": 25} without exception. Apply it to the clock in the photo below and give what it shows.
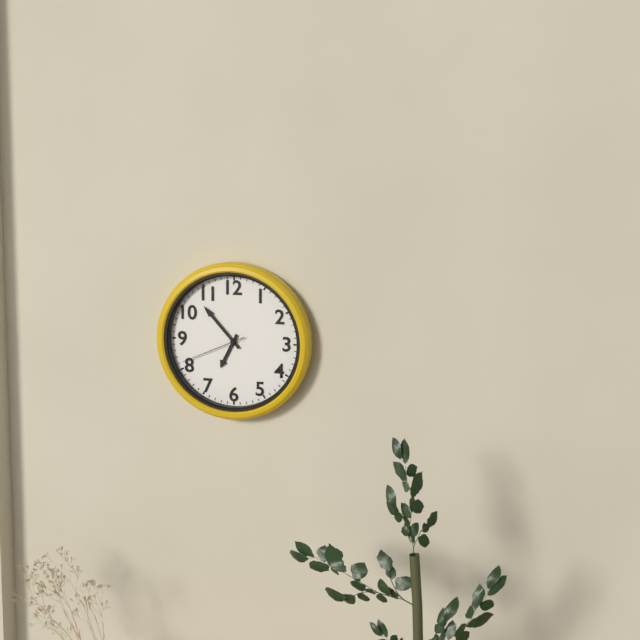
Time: {"hour": 6, "minute": 53, "second": 41}
